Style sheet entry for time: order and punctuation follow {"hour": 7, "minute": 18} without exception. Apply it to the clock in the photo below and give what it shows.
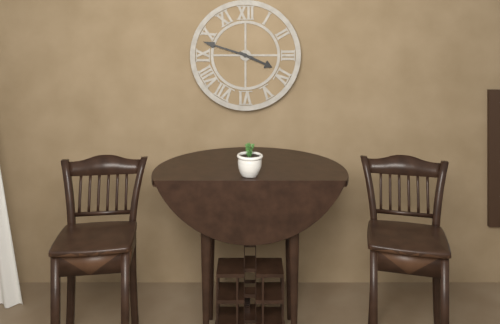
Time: {"hour": 3, "minute": 48}
